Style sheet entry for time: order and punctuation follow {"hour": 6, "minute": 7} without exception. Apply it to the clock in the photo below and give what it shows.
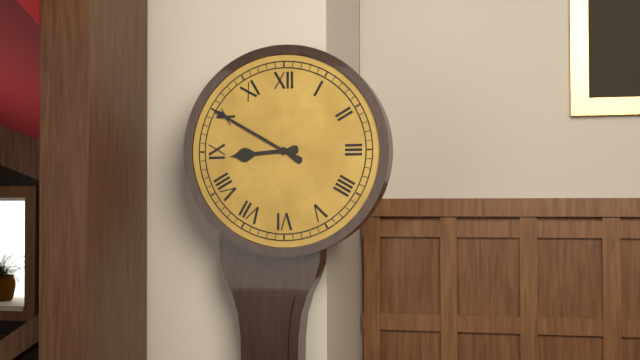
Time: {"hour": 8, "minute": 50}
